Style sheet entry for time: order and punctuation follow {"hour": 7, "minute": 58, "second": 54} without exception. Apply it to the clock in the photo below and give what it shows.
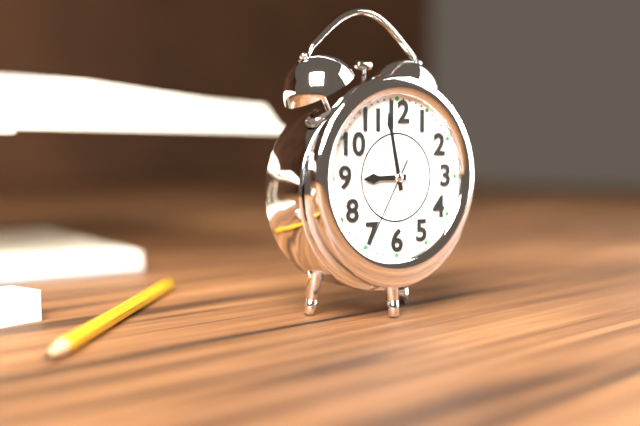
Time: {"hour": 8, "minute": 58, "second": 35}
